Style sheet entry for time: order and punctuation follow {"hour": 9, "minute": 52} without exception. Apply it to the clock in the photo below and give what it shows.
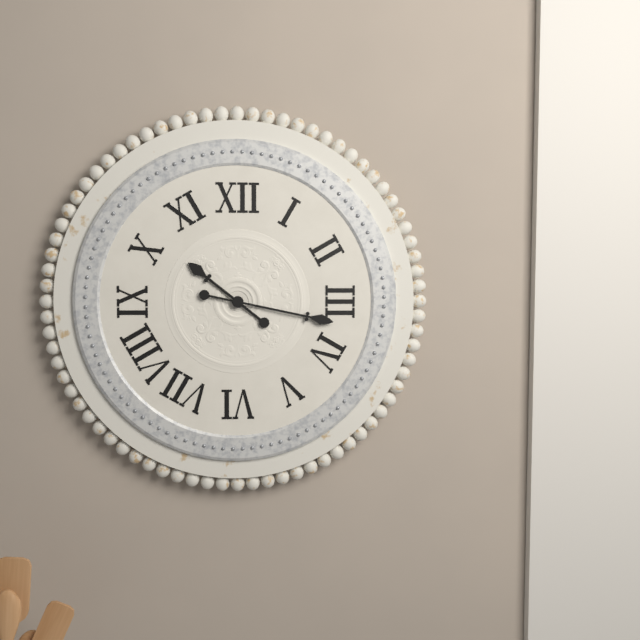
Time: {"hour": 10, "minute": 17}
